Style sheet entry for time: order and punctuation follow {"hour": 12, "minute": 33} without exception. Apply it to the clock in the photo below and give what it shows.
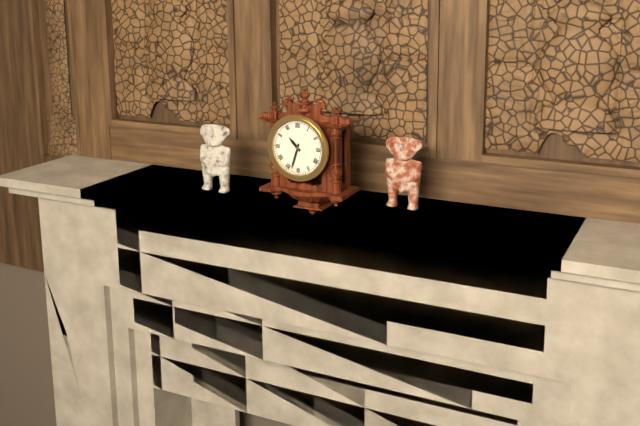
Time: {"hour": 10, "minute": 33}
